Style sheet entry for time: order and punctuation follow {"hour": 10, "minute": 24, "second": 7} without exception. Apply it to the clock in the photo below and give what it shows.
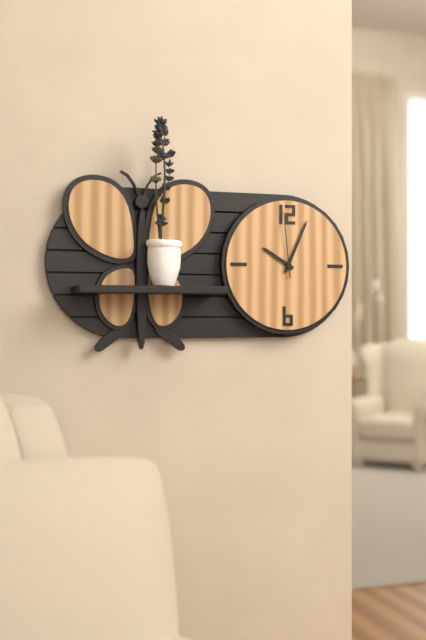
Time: {"hour": 10, "minute": 4, "second": 59}
